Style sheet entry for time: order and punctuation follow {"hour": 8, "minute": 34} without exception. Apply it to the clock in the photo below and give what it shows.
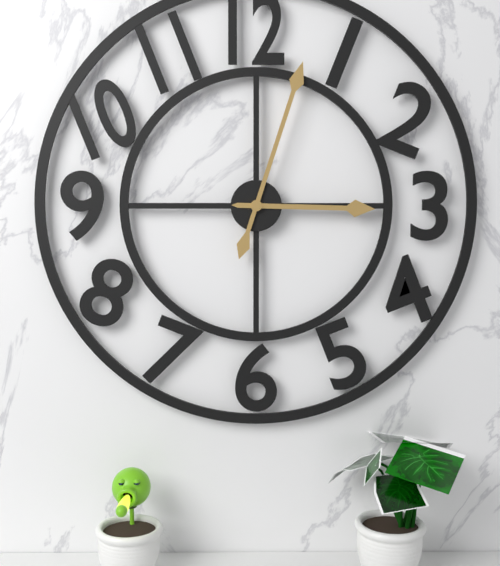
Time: {"hour": 3, "minute": 3}
